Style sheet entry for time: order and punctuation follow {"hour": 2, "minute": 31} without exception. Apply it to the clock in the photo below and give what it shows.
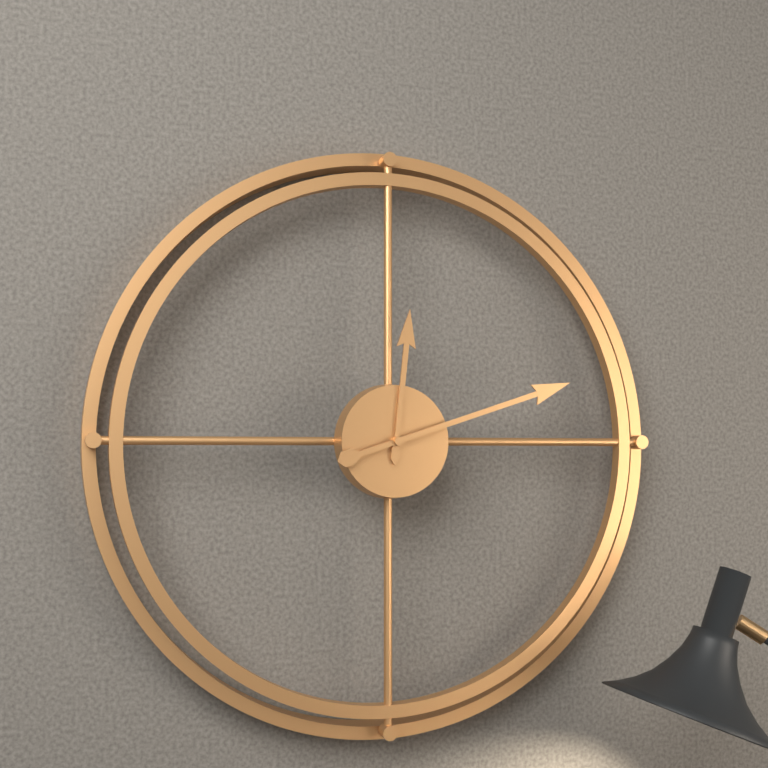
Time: {"hour": 12, "minute": 12}
